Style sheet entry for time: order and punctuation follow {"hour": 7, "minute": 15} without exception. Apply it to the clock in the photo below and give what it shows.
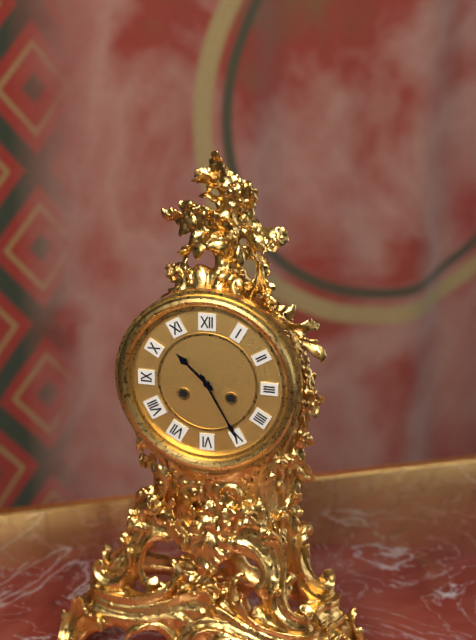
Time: {"hour": 10, "minute": 25}
